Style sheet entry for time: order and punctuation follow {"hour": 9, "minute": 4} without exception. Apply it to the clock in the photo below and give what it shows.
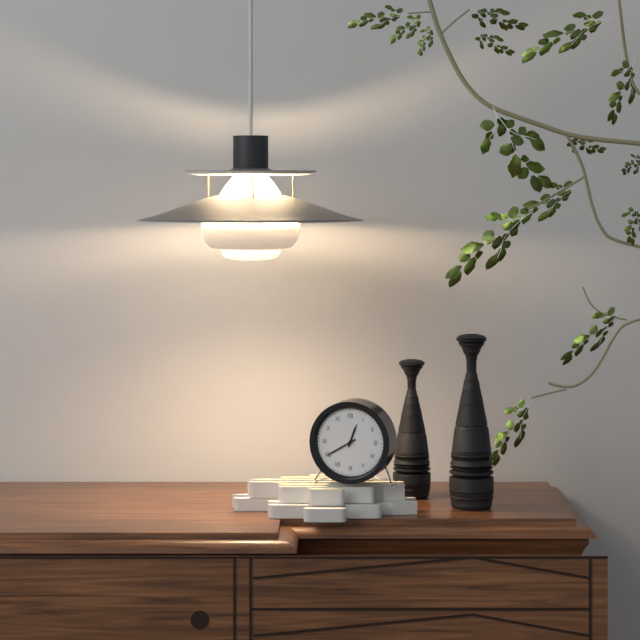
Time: {"hour": 12, "minute": 40}
